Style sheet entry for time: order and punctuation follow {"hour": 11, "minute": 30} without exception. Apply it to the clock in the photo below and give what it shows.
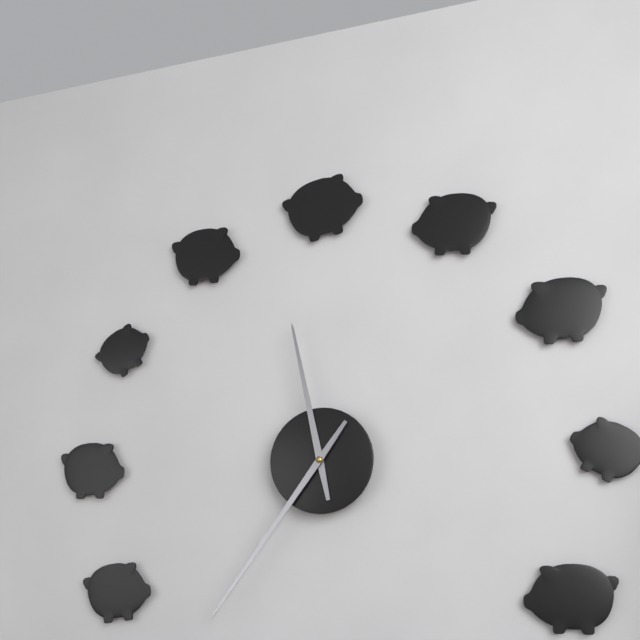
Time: {"hour": 11, "minute": 36}
